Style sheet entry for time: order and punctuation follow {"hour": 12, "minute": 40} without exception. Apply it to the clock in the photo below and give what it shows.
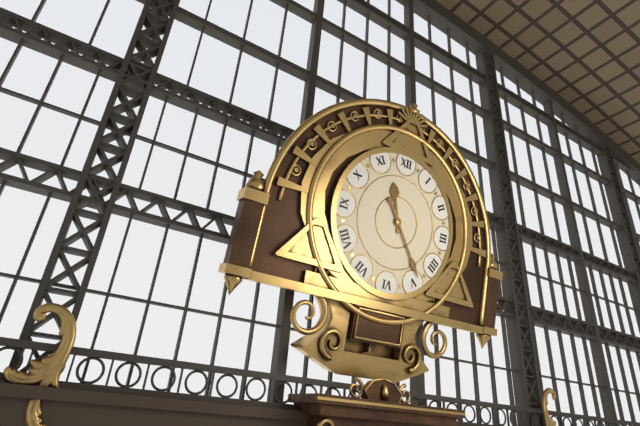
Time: {"hour": 11, "minute": 24}
